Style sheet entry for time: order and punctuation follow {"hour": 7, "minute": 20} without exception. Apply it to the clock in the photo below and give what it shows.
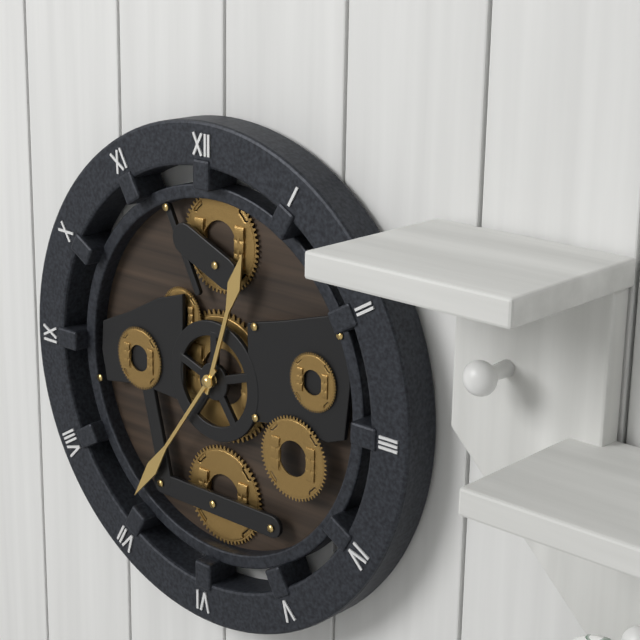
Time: {"hour": 12, "minute": 36}
